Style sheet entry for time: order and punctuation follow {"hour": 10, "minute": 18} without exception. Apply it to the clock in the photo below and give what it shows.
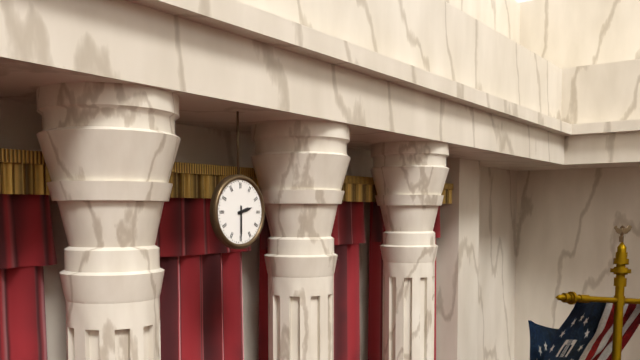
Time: {"hour": 2, "minute": 30}
